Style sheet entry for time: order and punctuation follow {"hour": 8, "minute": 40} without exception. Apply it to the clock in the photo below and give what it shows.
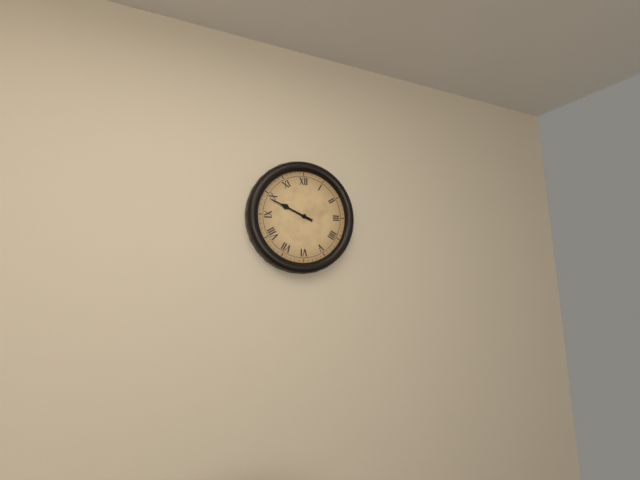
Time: {"hour": 9, "minute": 49}
